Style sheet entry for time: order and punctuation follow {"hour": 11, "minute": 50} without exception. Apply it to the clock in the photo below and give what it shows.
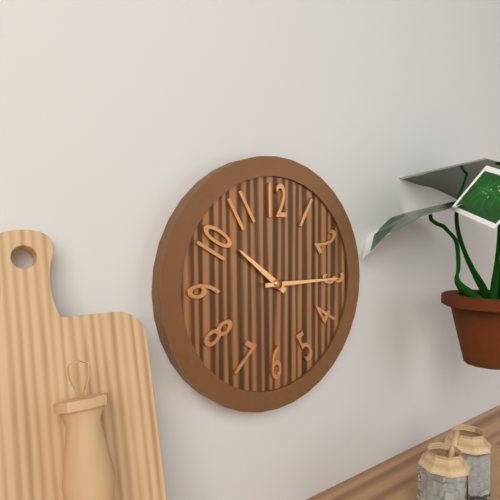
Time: {"hour": 10, "minute": 15}
